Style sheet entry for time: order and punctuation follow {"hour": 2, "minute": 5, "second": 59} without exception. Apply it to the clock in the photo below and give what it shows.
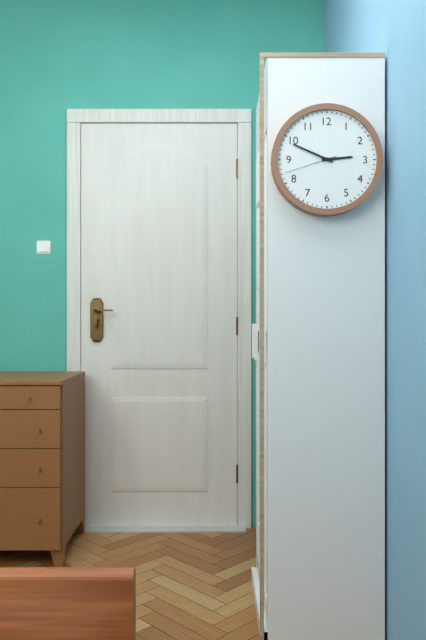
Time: {"hour": 2, "minute": 49, "second": 42}
